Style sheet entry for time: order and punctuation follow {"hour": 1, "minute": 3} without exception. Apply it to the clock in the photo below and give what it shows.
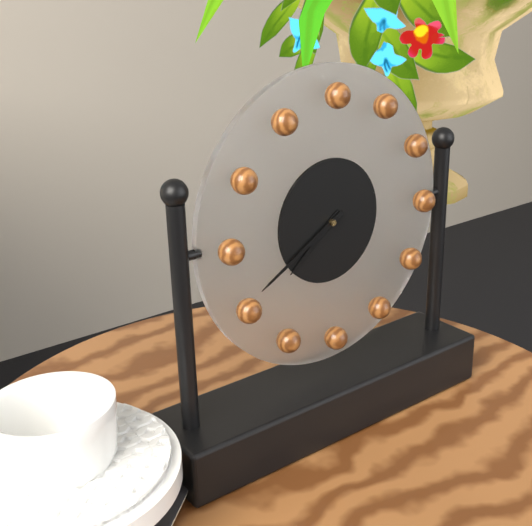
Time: {"hour": 7, "minute": 40}
